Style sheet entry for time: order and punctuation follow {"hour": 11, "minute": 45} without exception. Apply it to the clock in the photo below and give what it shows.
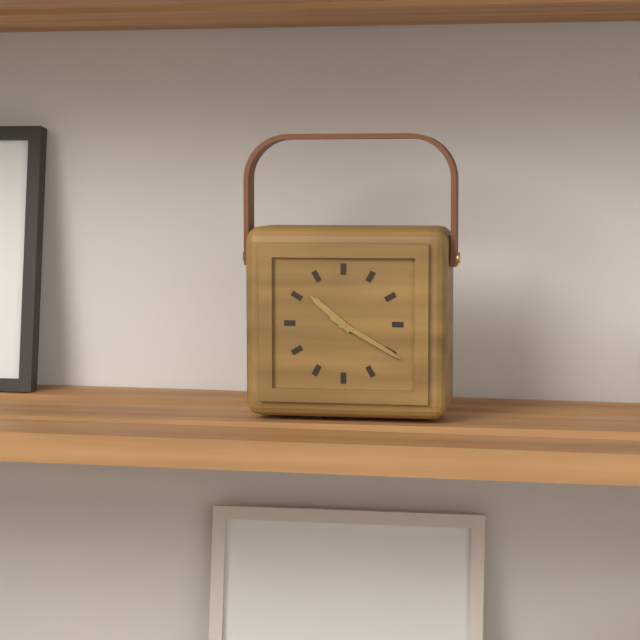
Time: {"hour": 10, "minute": 20}
